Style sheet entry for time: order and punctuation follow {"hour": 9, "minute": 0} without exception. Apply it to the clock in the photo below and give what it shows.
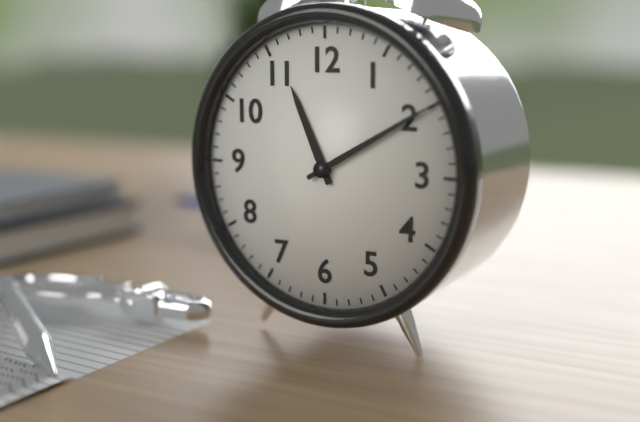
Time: {"hour": 11, "minute": 10}
